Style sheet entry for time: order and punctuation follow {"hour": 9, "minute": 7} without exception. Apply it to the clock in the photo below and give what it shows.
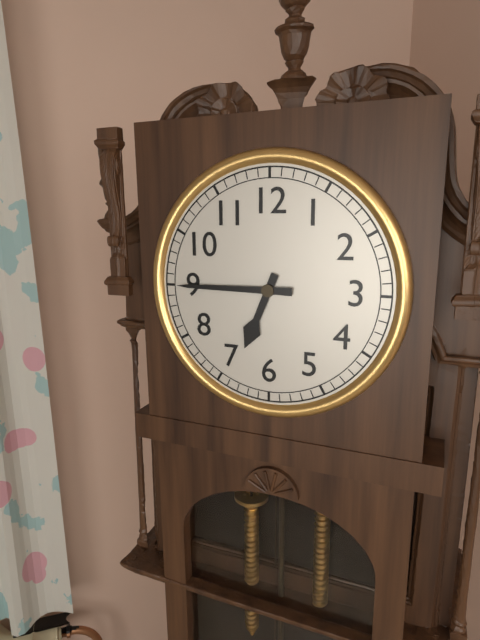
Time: {"hour": 6, "minute": 45}
